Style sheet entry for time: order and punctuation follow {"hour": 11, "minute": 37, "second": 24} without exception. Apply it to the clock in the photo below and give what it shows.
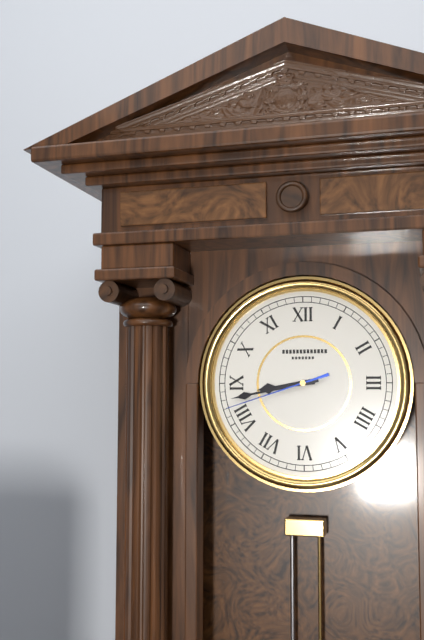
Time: {"hour": 8, "minute": 43, "second": 42}
